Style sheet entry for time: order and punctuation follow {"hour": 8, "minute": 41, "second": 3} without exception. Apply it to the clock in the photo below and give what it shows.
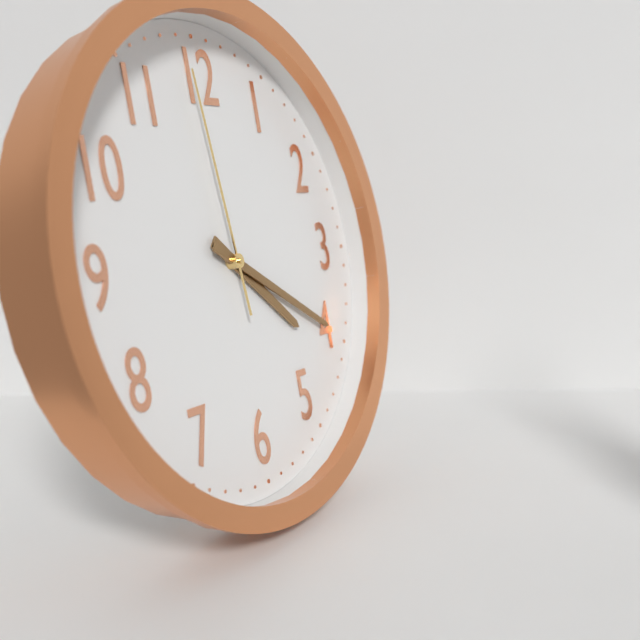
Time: {"hour": 4, "minute": 20, "second": 59}
